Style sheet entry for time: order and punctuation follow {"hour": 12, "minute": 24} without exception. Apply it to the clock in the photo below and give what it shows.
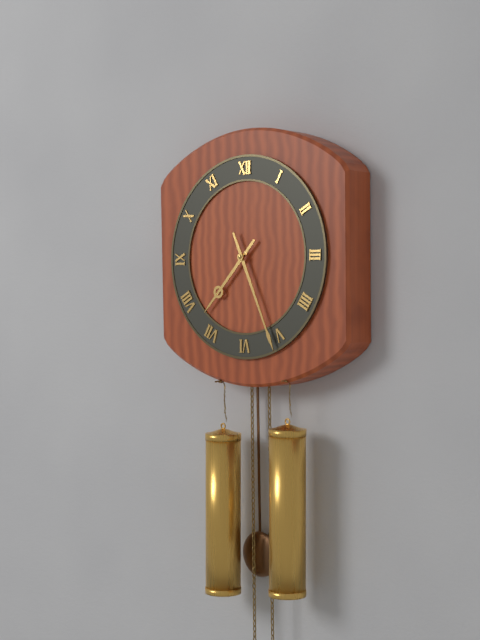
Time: {"hour": 7, "minute": 26}
